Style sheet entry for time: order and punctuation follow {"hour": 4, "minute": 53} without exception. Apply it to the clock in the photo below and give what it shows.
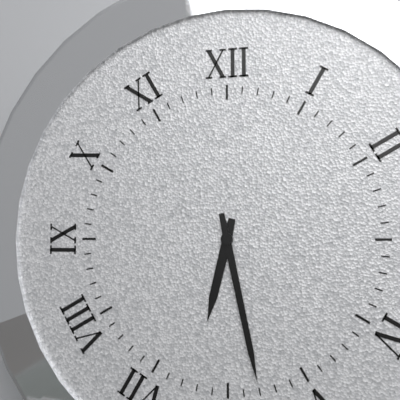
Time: {"hour": 6, "minute": 28}
